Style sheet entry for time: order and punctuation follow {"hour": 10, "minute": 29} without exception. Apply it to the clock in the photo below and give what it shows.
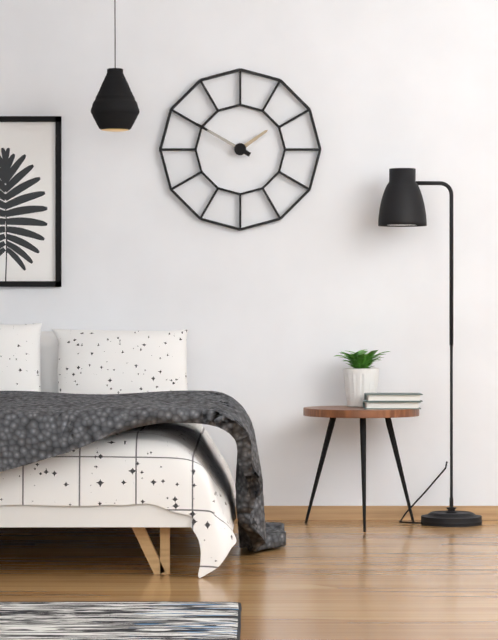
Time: {"hour": 1, "minute": 50}
